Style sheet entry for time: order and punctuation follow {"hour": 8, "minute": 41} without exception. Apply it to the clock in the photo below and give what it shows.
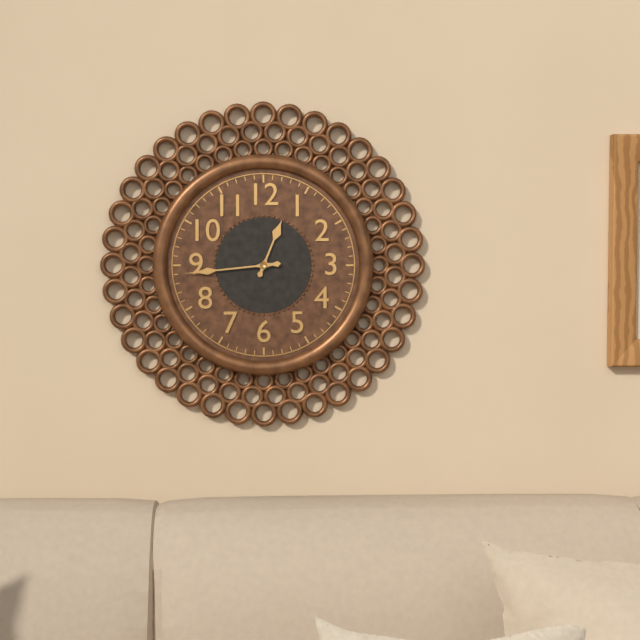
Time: {"hour": 12, "minute": 44}
